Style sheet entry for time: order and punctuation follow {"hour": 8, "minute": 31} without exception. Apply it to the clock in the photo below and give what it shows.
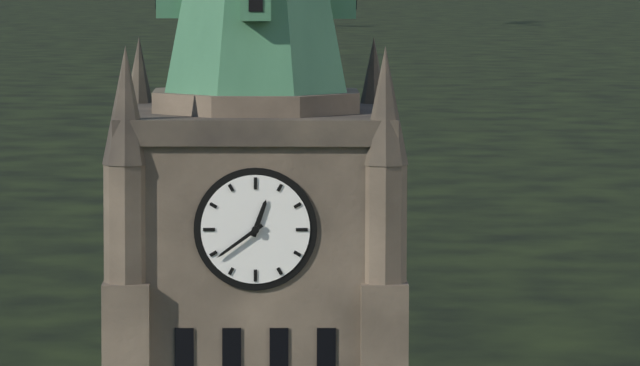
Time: {"hour": 12, "minute": 39}
